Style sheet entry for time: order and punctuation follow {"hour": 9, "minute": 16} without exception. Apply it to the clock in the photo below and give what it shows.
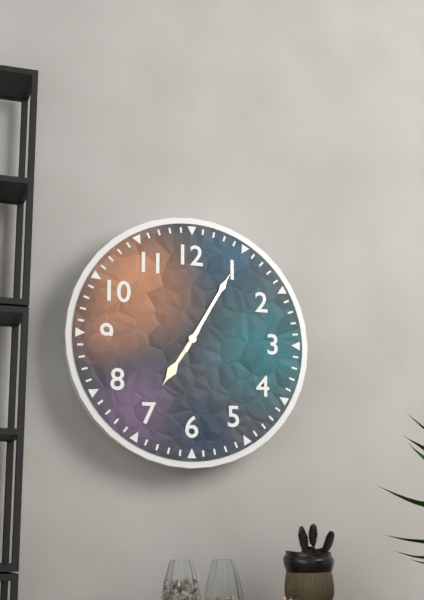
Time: {"hour": 7, "minute": 5}
